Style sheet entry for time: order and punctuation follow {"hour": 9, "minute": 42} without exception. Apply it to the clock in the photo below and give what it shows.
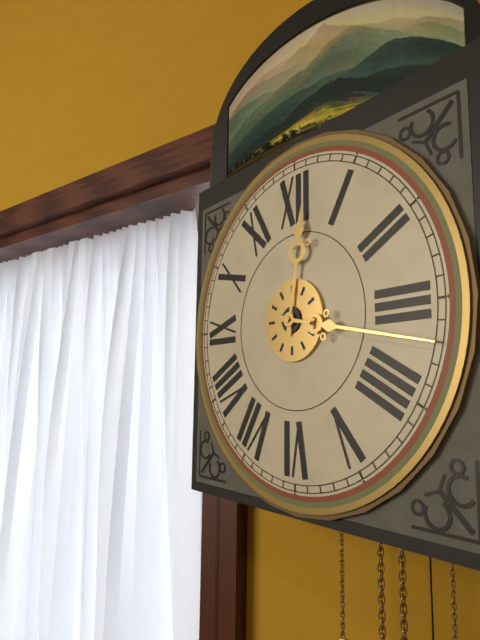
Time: {"hour": 12, "minute": 17}
